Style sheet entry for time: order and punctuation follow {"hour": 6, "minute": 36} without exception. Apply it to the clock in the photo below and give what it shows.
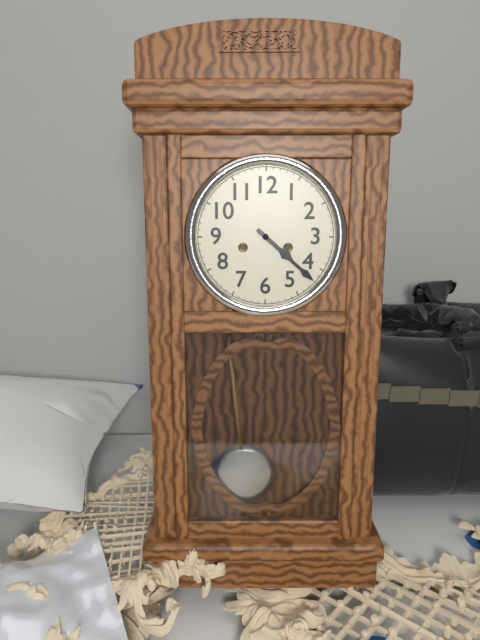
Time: {"hour": 4, "minute": 22}
